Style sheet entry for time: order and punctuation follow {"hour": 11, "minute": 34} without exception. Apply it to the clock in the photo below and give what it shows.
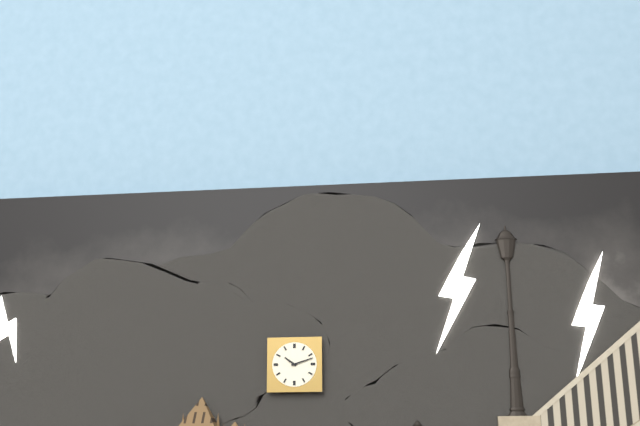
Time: {"hour": 10, "minute": 12}
